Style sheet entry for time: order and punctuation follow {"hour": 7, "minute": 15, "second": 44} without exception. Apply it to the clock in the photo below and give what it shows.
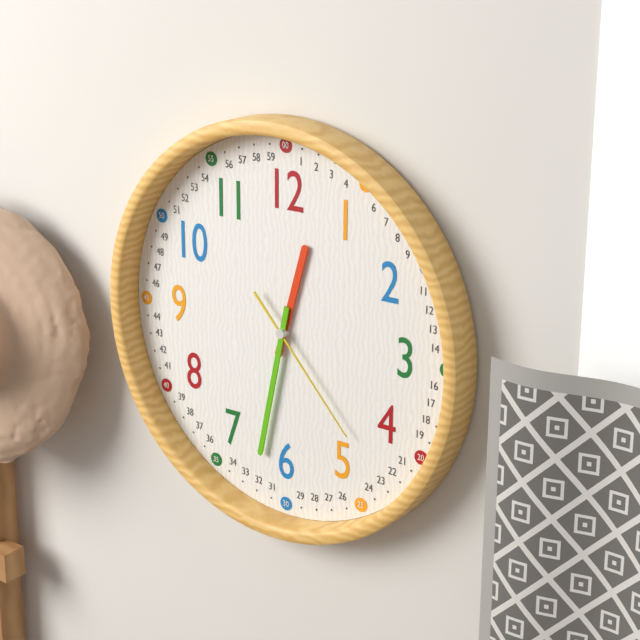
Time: {"hour": 12, "minute": 32, "second": 23}
